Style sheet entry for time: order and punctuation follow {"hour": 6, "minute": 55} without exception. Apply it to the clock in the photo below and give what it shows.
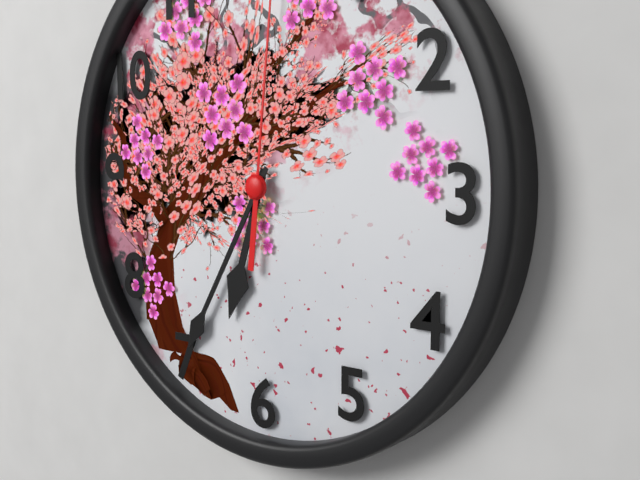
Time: {"hour": 6, "minute": 35}
